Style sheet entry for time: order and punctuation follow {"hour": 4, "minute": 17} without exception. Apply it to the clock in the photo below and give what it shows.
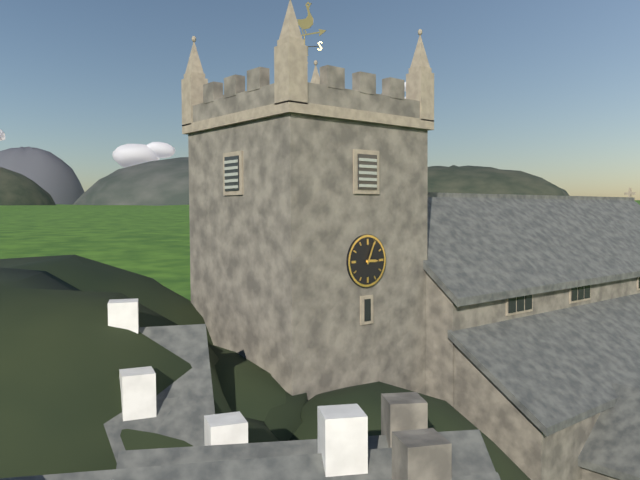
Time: {"hour": 3, "minute": 4}
